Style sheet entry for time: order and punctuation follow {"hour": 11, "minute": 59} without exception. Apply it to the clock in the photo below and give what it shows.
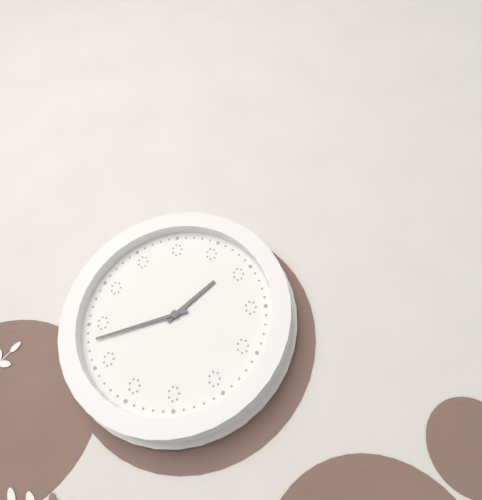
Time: {"hour": 1, "minute": 43}
